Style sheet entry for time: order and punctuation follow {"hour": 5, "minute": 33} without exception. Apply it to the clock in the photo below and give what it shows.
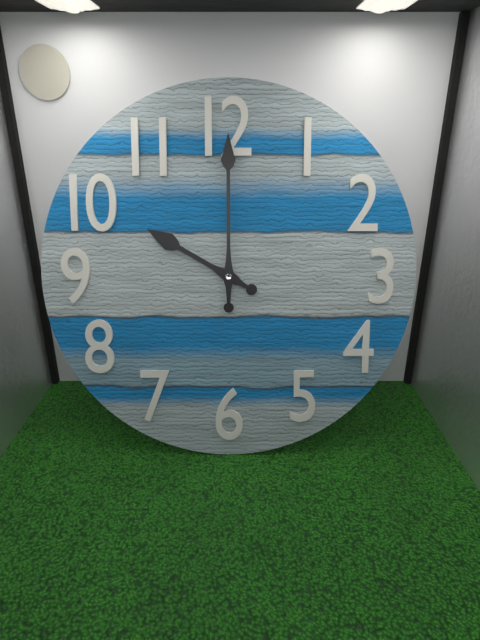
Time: {"hour": 10, "minute": 0}
